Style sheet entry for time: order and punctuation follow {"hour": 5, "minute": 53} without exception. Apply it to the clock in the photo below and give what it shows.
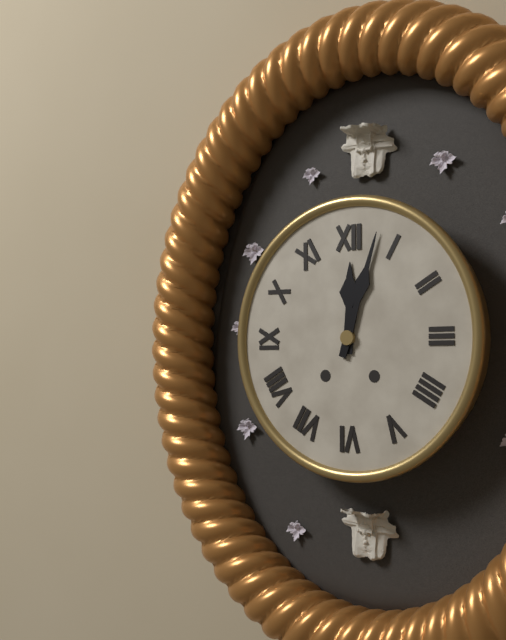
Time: {"hour": 12, "minute": 3}
